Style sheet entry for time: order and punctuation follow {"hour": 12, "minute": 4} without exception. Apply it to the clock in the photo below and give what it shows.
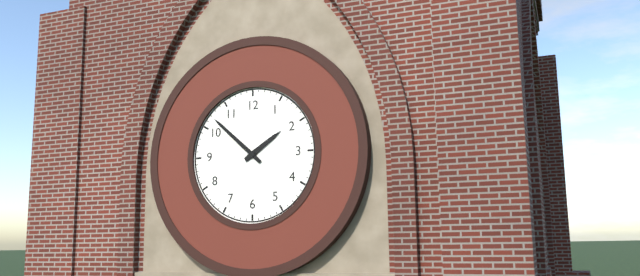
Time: {"hour": 1, "minute": 52}
